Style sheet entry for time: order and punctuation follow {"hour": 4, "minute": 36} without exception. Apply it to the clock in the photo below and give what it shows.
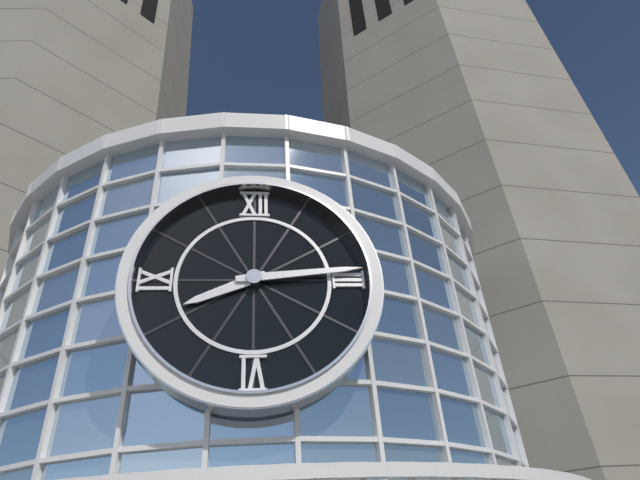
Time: {"hour": 8, "minute": 14}
